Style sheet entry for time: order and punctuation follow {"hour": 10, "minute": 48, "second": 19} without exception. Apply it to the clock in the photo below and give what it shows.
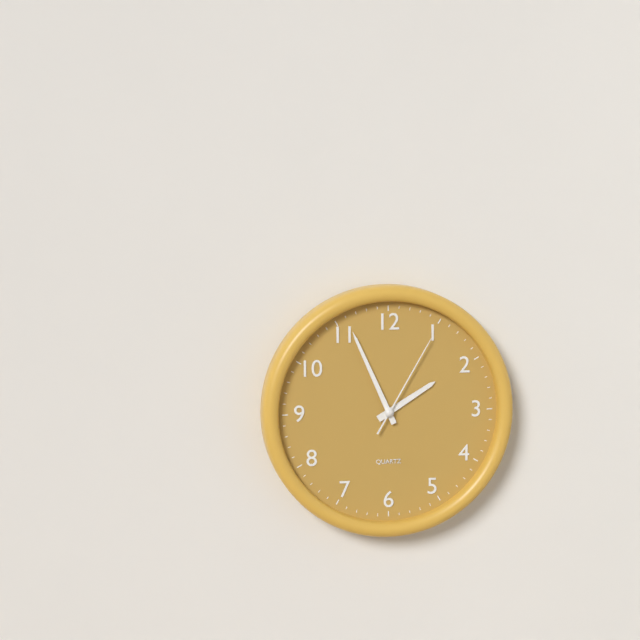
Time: {"hour": 1, "minute": 56, "second": 5}
